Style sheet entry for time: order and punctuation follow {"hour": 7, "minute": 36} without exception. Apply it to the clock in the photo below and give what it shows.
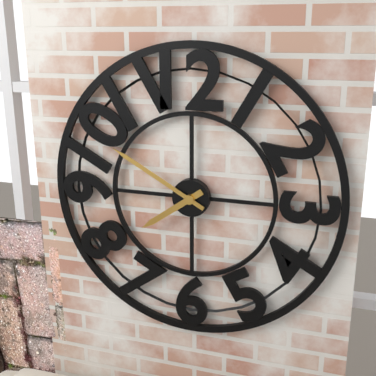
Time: {"hour": 7, "minute": 50}
